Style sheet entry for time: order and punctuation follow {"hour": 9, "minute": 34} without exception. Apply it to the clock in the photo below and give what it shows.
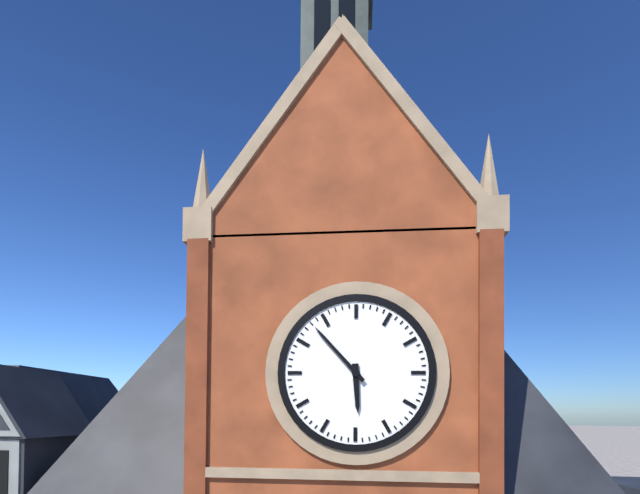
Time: {"hour": 5, "minute": 53}
